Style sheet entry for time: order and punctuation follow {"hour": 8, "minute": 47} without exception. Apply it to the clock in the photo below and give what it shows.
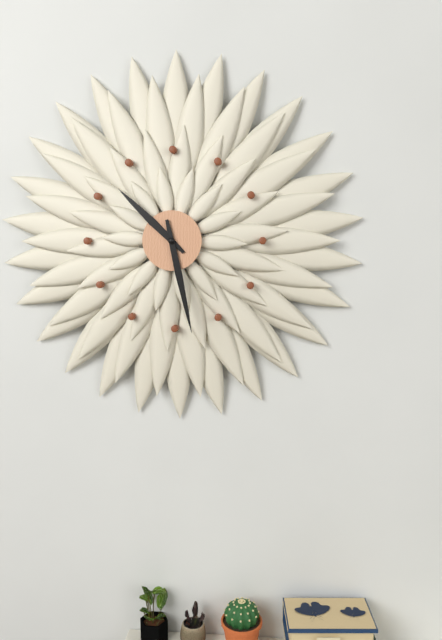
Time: {"hour": 10, "minute": 28}
